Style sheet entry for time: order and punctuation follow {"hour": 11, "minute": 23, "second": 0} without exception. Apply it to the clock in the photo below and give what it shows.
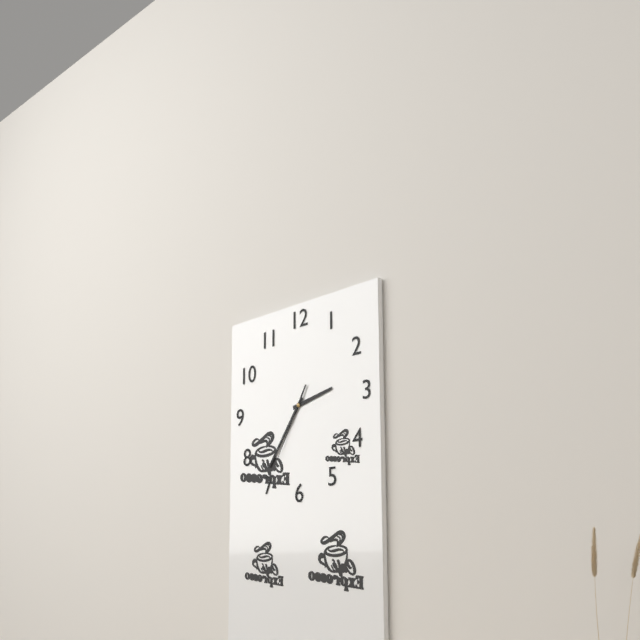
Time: {"hour": 2, "minute": 36, "second": 35}
